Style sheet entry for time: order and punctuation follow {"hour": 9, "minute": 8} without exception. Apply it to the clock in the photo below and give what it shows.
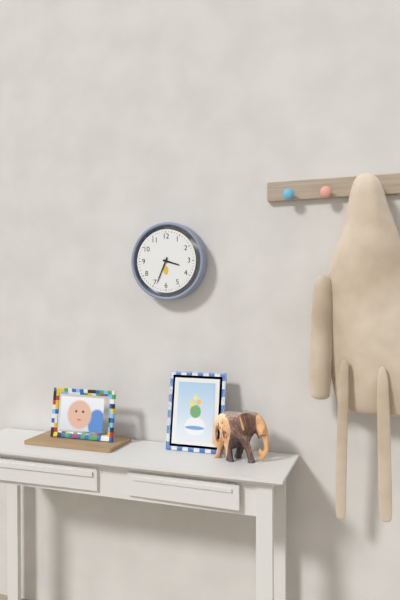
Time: {"hour": 3, "minute": 34}
